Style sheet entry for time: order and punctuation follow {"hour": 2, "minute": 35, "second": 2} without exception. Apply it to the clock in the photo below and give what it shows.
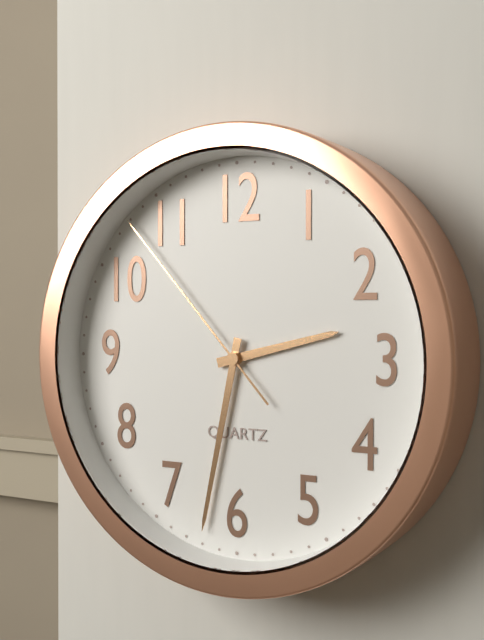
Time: {"hour": 2, "minute": 32, "second": 53}
